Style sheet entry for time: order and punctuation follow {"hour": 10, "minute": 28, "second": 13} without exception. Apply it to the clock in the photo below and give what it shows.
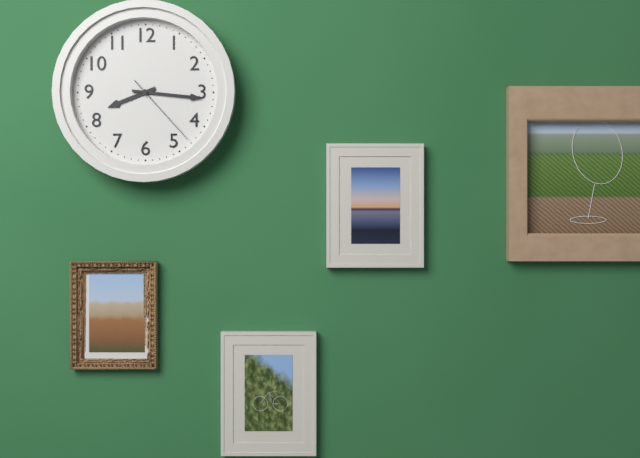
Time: {"hour": 8, "minute": 16, "second": 23}
